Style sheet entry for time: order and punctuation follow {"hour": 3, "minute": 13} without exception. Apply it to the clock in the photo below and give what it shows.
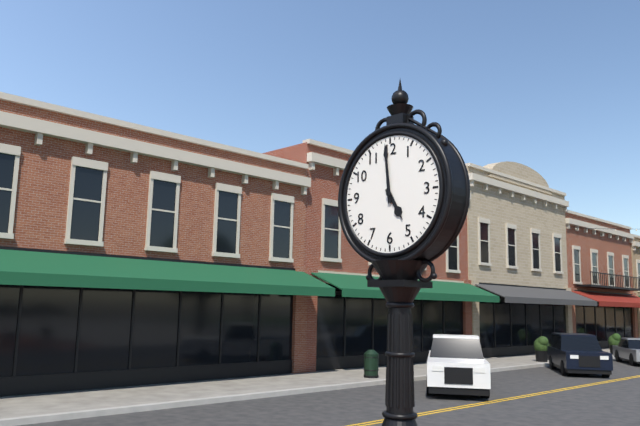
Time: {"hour": 4, "minute": 59}
